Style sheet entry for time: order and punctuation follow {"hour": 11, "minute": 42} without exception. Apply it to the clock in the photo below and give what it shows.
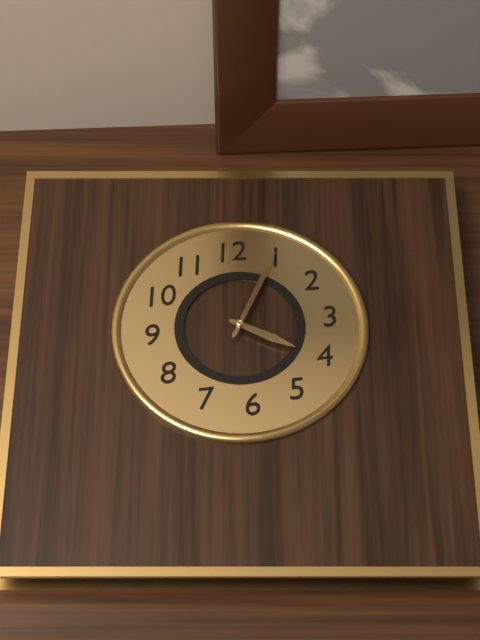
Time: {"hour": 4, "minute": 5}
